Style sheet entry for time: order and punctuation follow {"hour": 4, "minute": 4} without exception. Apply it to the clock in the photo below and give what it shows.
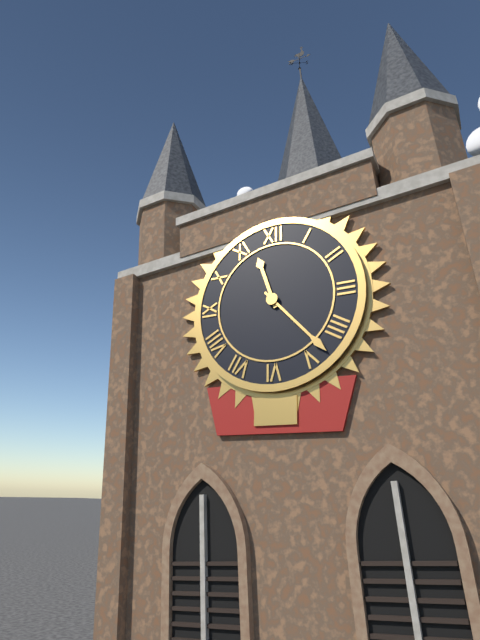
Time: {"hour": 11, "minute": 23}
